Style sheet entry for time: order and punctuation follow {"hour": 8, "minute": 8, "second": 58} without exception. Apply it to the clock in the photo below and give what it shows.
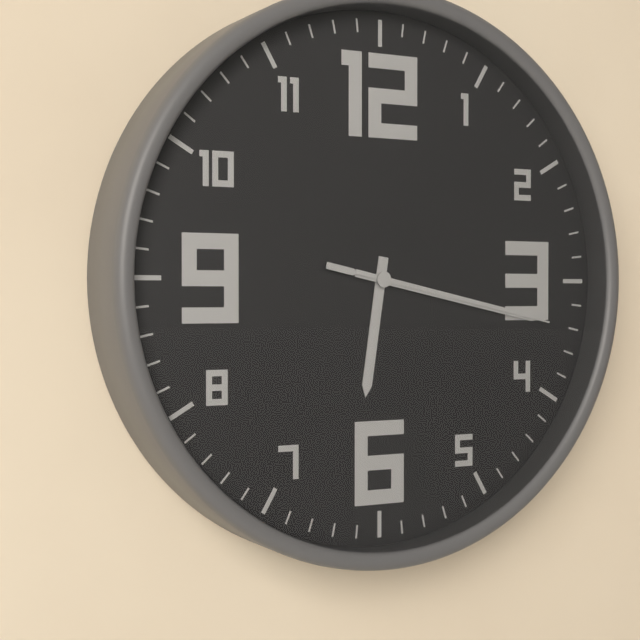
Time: {"hour": 6, "minute": 17, "second": 17}
